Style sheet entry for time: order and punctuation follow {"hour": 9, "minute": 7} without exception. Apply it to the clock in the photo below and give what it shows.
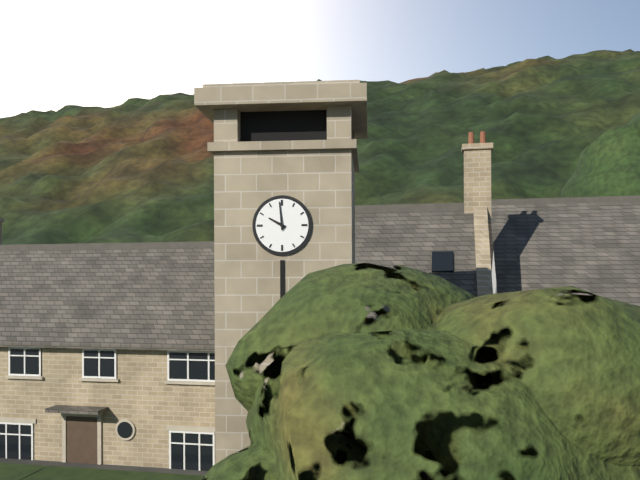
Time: {"hour": 9, "minute": 59}
